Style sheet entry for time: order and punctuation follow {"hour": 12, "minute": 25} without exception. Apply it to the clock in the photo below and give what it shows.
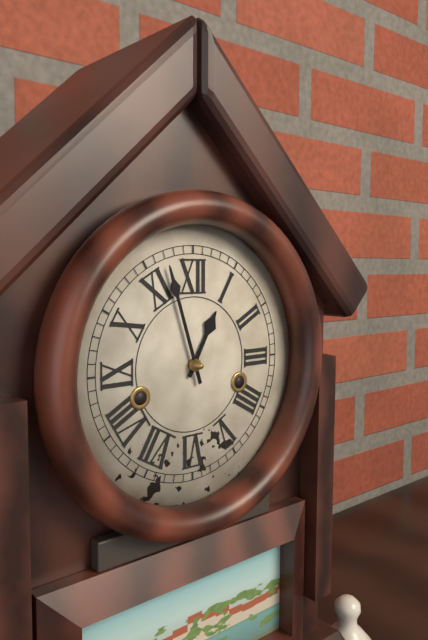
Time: {"hour": 12, "minute": 57}
